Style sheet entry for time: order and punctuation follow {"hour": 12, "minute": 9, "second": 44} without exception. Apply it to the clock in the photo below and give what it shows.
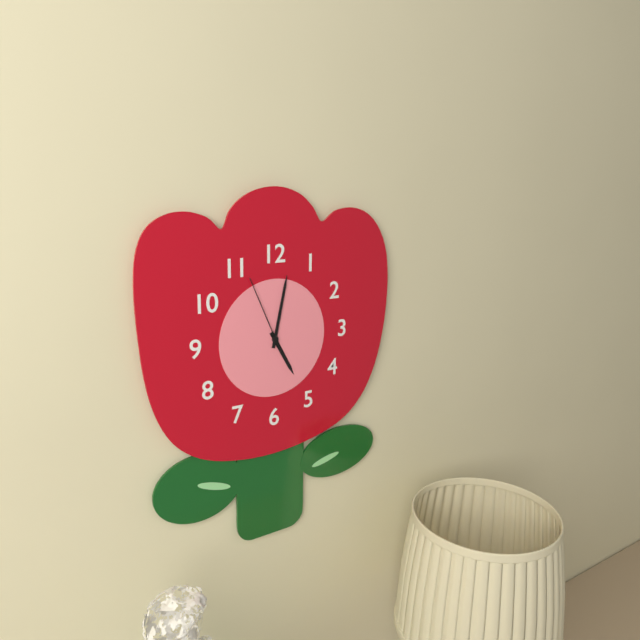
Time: {"hour": 5, "minute": 2, "second": 56}
